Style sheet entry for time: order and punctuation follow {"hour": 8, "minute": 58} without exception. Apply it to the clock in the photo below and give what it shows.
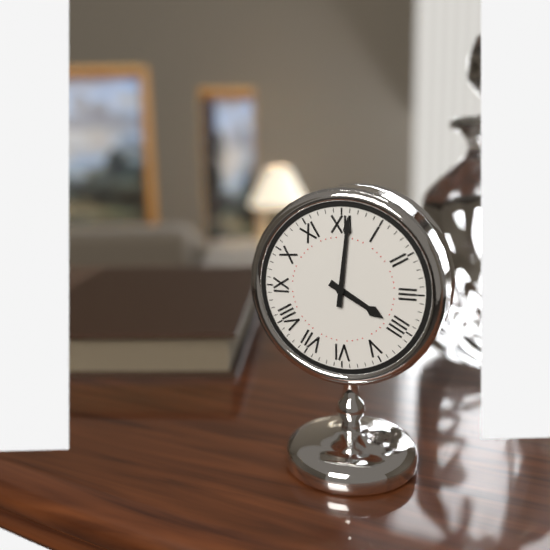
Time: {"hour": 4, "minute": 1}
